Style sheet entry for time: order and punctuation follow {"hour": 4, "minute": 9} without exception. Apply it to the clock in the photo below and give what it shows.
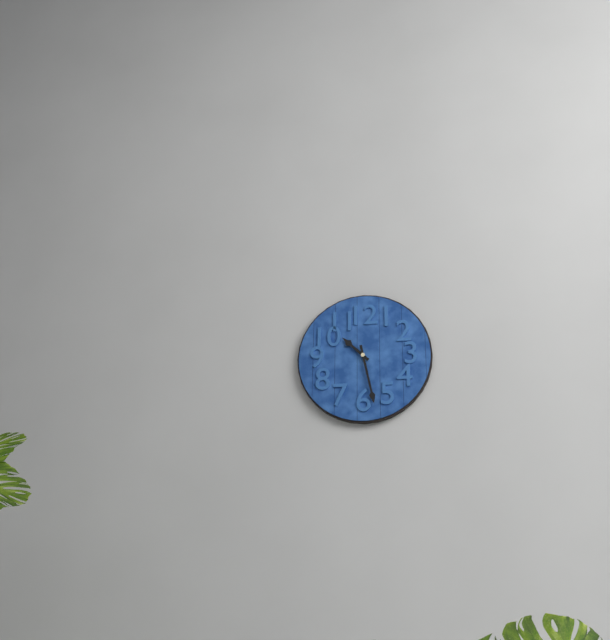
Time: {"hour": 10, "minute": 28}
